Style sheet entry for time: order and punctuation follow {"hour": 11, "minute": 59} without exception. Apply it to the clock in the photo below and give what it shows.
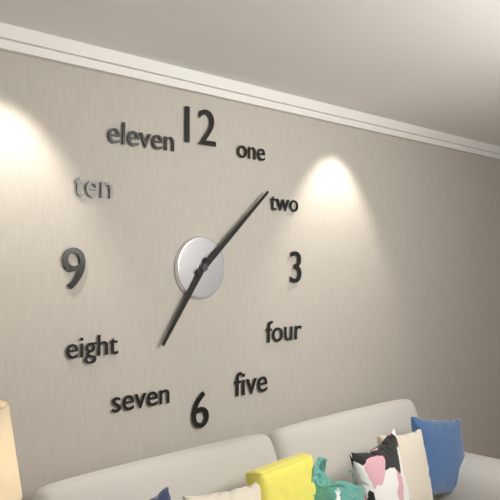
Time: {"hour": 7, "minute": 8}
